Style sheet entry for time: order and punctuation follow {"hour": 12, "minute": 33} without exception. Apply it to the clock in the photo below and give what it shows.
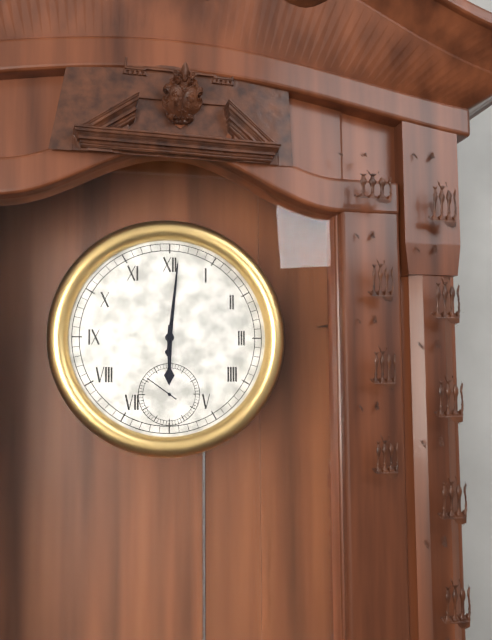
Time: {"hour": 6, "minute": 1}
